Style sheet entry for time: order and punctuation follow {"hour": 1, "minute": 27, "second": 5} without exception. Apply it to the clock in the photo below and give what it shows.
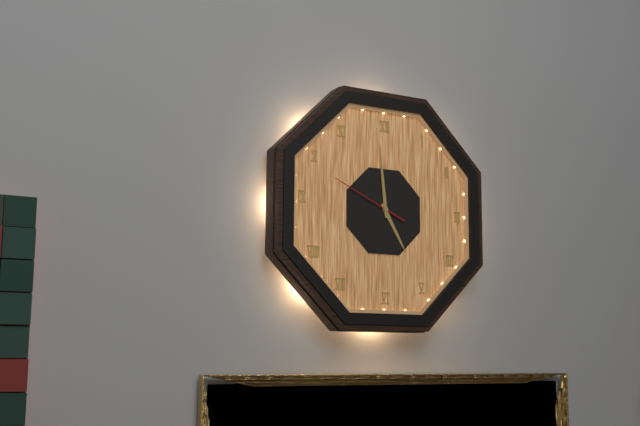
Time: {"hour": 4, "minute": 59, "second": 49}
